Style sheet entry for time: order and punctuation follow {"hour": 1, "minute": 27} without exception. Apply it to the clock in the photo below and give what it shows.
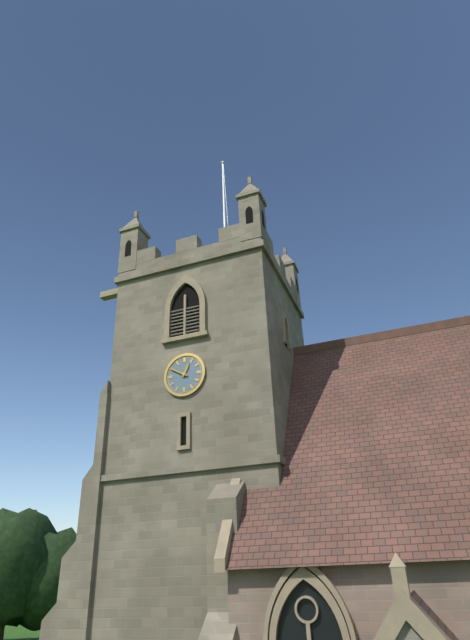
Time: {"hour": 12, "minute": 50}
